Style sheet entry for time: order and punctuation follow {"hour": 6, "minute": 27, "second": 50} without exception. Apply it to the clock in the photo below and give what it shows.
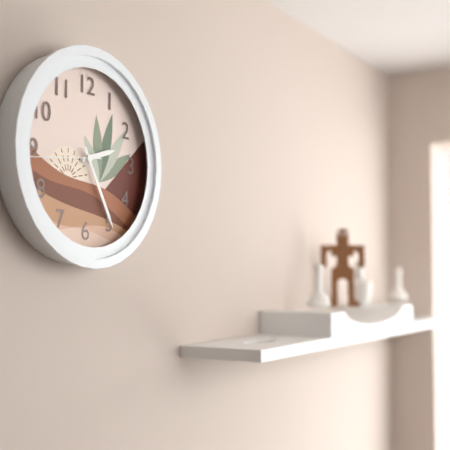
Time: {"hour": 2, "minute": 25, "second": 44}
